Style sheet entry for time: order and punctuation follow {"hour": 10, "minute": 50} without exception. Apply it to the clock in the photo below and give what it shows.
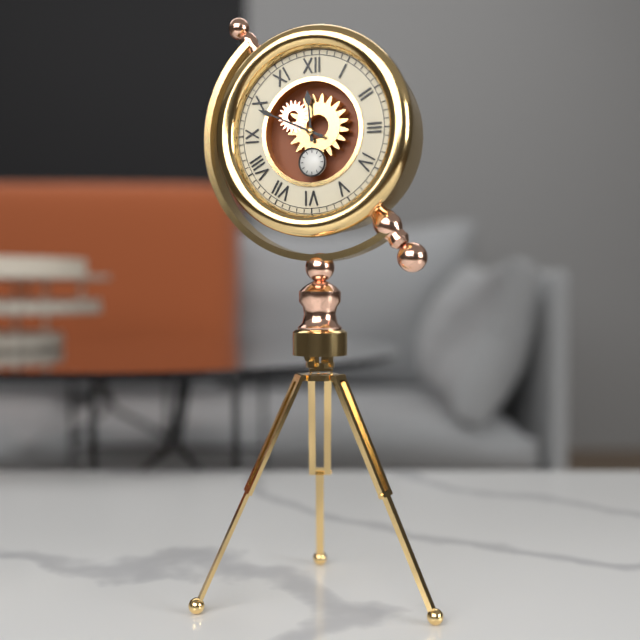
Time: {"hour": 11, "minute": 49}
